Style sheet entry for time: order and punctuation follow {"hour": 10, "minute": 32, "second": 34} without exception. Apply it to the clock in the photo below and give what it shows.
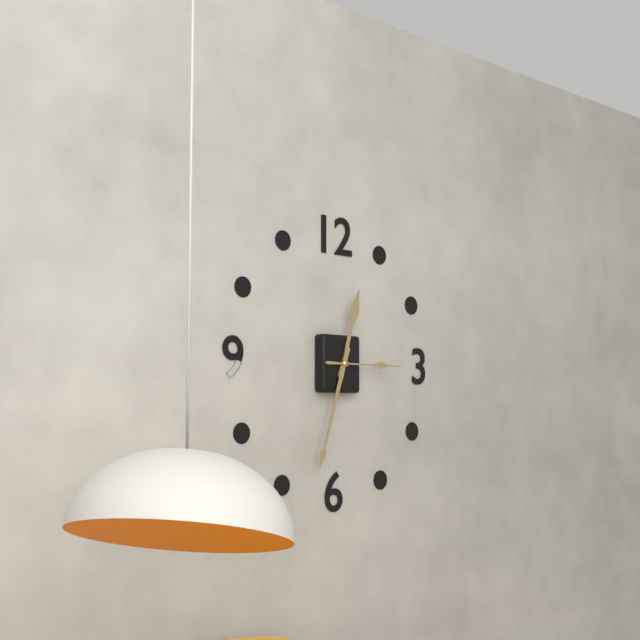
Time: {"hour": 12, "minute": 33, "second": 15}
